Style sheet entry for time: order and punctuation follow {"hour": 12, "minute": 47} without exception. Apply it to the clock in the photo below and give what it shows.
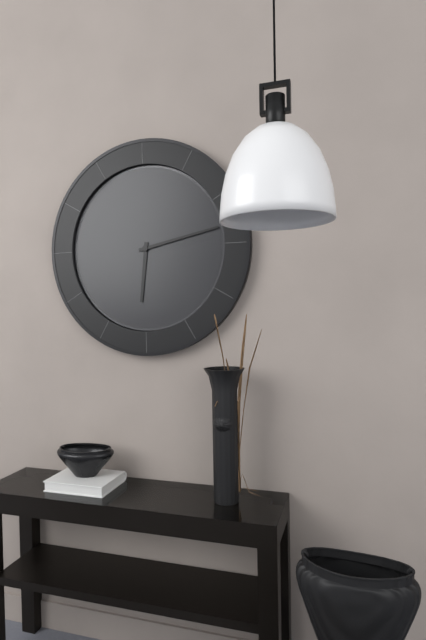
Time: {"hour": 6, "minute": 13}
